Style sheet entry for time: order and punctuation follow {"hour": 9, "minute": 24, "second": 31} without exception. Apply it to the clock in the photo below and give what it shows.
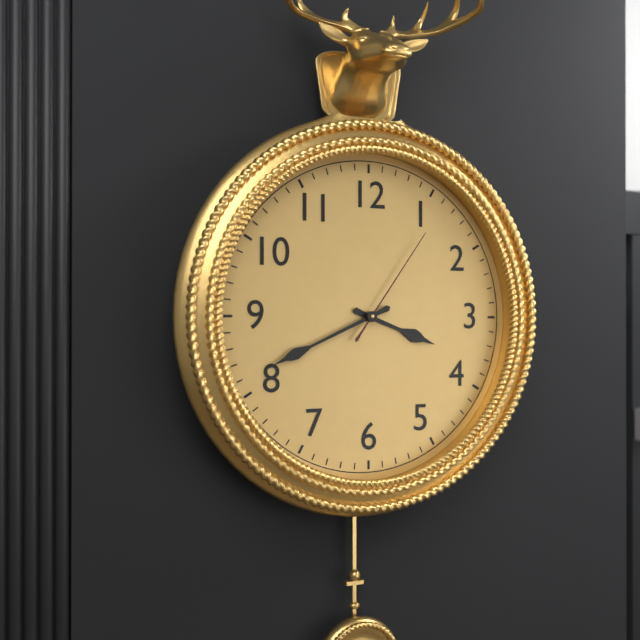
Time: {"hour": 3, "minute": 41, "second": 6}
